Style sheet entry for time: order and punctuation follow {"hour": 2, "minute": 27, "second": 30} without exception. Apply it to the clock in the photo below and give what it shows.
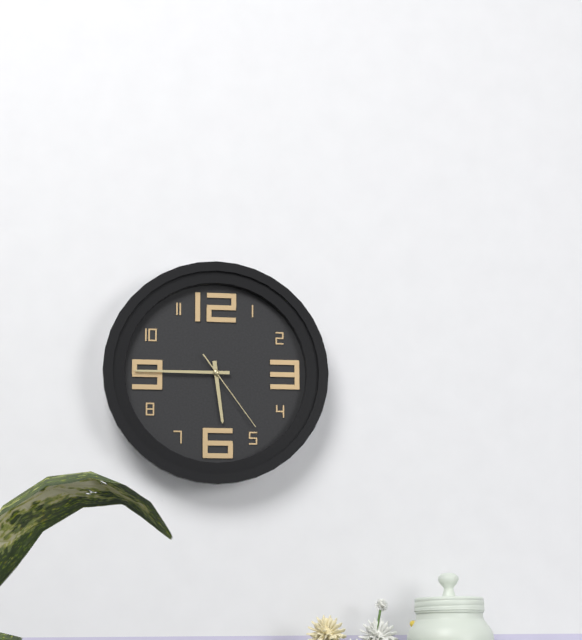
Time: {"hour": 5, "minute": 45, "second": 24}
